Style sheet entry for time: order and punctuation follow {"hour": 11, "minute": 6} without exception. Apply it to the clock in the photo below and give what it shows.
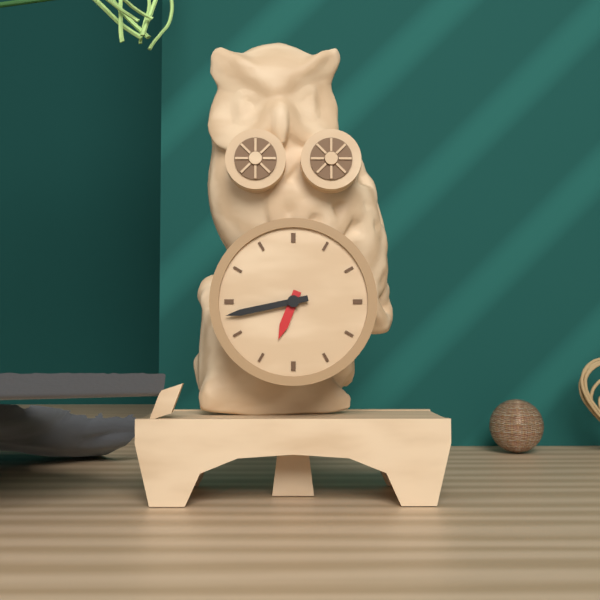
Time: {"hour": 6, "minute": 43}
